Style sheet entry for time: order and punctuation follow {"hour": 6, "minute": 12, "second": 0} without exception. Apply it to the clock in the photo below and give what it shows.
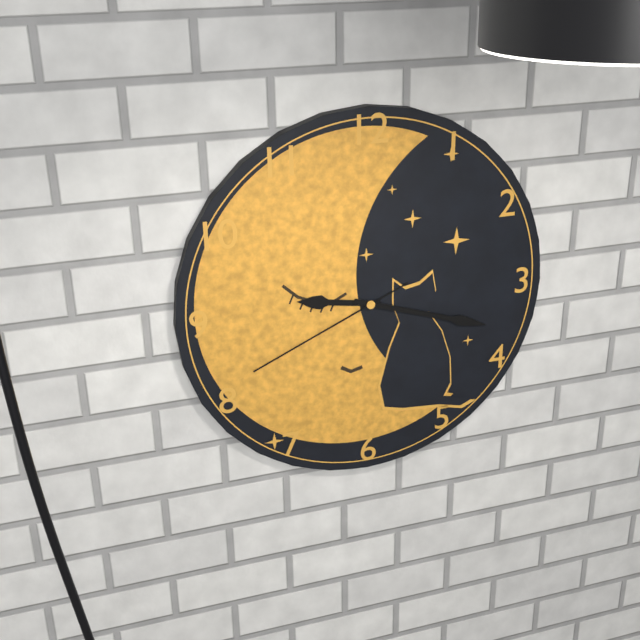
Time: {"hour": 9, "minute": 18, "second": 41}
